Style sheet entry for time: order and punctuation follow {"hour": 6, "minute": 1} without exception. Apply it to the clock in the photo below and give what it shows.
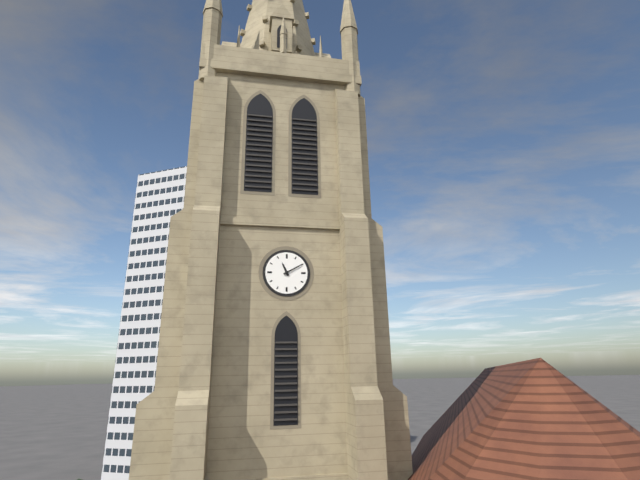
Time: {"hour": 11, "minute": 10}
